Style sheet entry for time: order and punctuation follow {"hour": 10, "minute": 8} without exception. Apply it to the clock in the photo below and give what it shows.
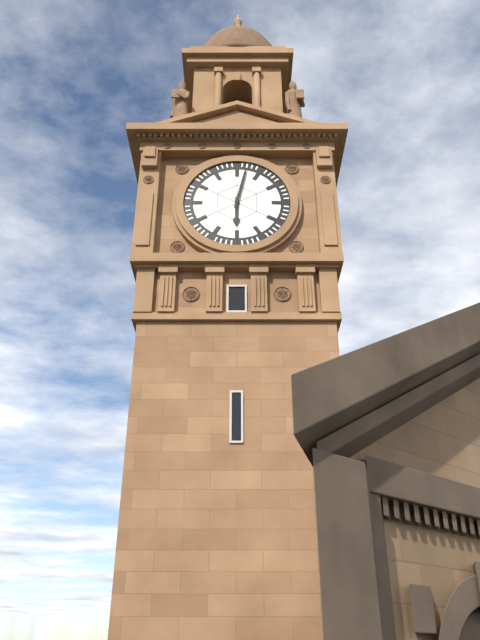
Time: {"hour": 6, "minute": 2}
